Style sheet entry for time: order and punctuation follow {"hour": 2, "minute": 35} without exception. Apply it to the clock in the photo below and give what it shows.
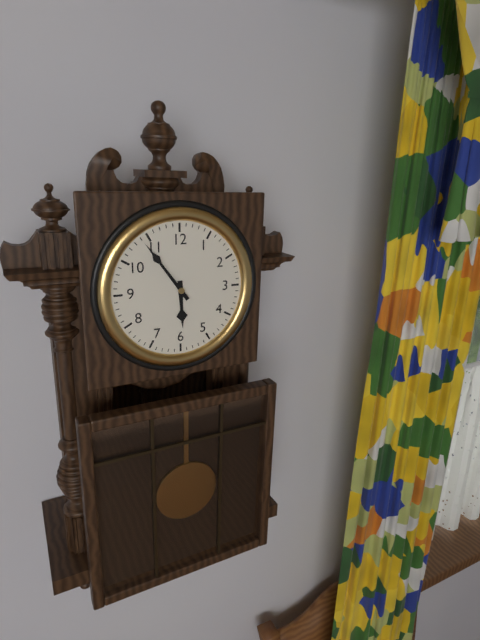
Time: {"hour": 5, "minute": 54}
